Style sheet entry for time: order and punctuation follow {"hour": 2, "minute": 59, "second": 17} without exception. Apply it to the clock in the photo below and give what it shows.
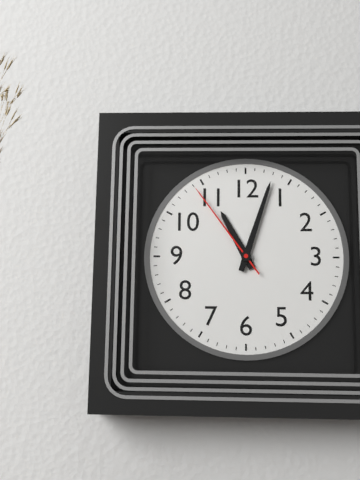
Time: {"hour": 11, "minute": 3, "second": 54}
